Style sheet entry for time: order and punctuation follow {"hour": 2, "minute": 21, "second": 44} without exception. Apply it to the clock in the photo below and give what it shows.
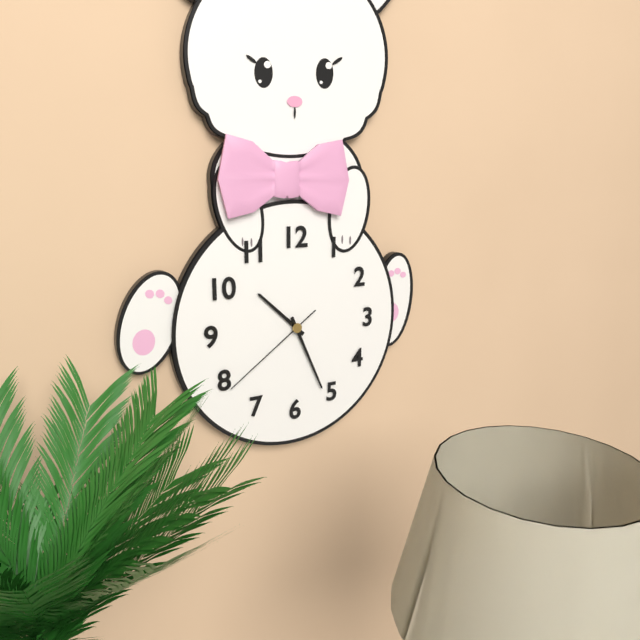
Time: {"hour": 10, "minute": 26, "second": 39}
